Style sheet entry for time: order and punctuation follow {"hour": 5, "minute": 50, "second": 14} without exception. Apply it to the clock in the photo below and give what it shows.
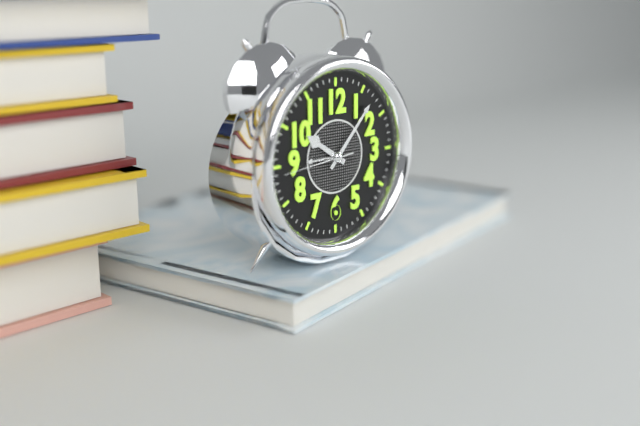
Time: {"hour": 10, "minute": 7, "second": 44}
